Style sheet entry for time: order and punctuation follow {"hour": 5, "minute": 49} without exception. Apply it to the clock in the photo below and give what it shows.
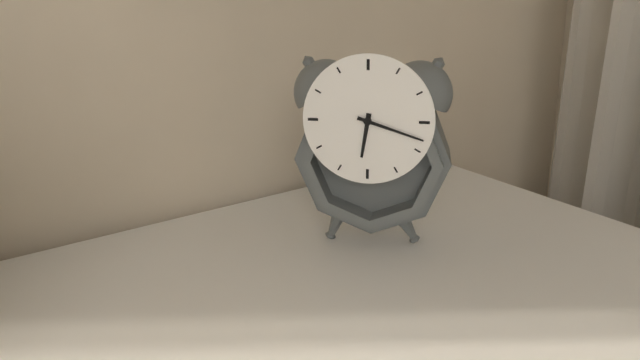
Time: {"hour": 6, "minute": 18}
